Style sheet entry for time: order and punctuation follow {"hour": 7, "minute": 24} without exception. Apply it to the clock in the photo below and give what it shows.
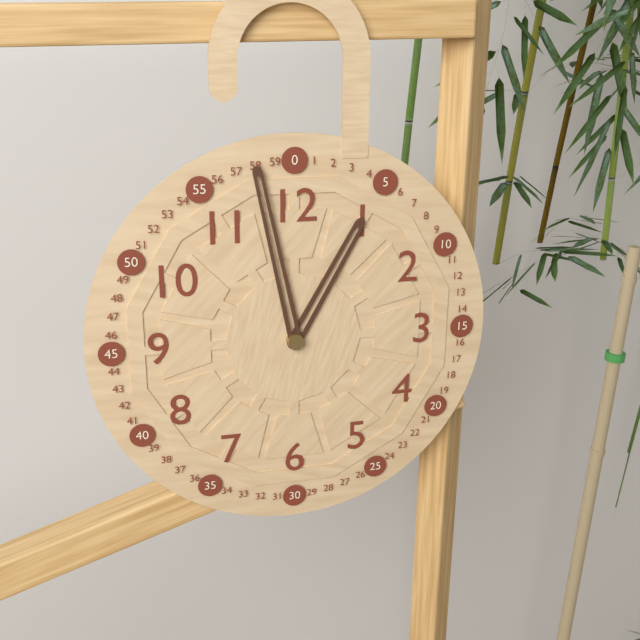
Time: {"hour": 12, "minute": 58}
